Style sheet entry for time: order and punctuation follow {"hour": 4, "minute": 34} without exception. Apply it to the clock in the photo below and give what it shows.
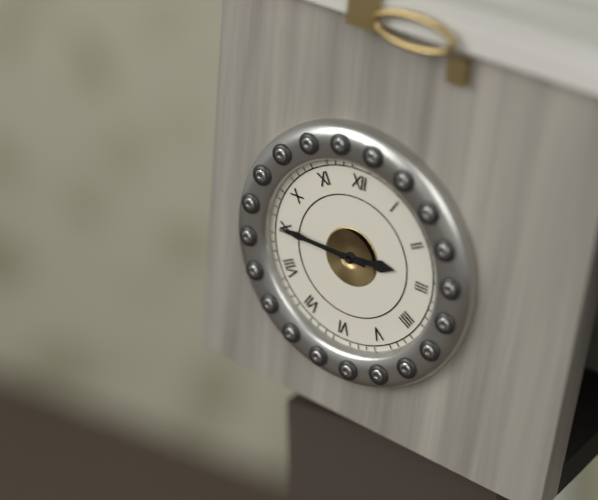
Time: {"hour": 2, "minute": 45}
